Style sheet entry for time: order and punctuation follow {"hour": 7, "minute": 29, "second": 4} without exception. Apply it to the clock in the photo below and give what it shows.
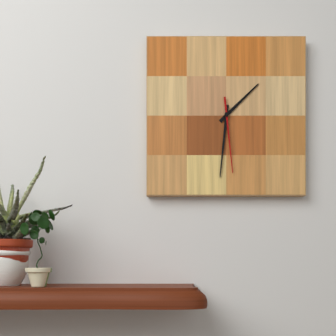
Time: {"hour": 1, "minute": 31, "second": 29}
